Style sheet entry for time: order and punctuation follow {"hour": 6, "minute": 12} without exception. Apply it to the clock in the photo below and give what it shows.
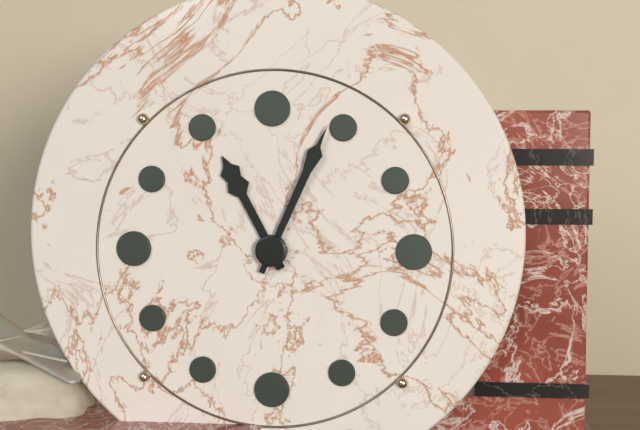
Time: {"hour": 11, "minute": 4}
